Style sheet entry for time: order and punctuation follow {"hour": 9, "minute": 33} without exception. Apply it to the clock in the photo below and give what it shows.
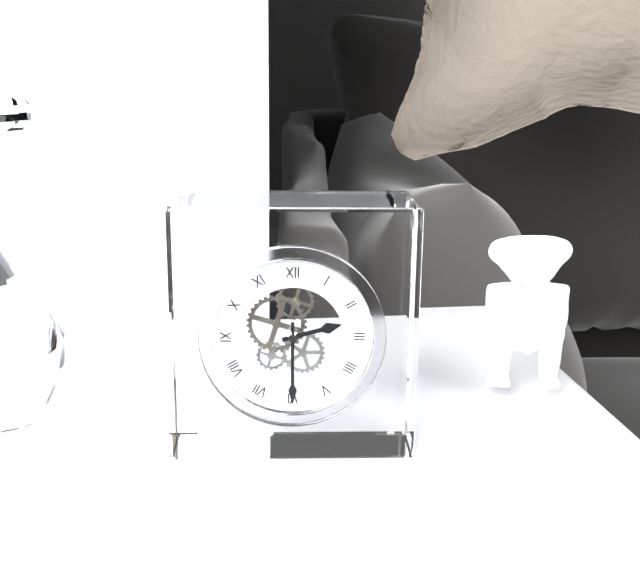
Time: {"hour": 2, "minute": 30}
